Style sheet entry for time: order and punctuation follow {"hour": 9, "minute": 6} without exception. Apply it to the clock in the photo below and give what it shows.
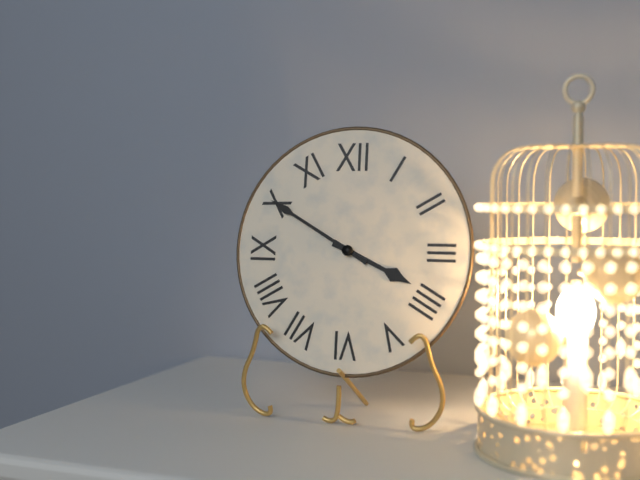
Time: {"hour": 3, "minute": 50}
